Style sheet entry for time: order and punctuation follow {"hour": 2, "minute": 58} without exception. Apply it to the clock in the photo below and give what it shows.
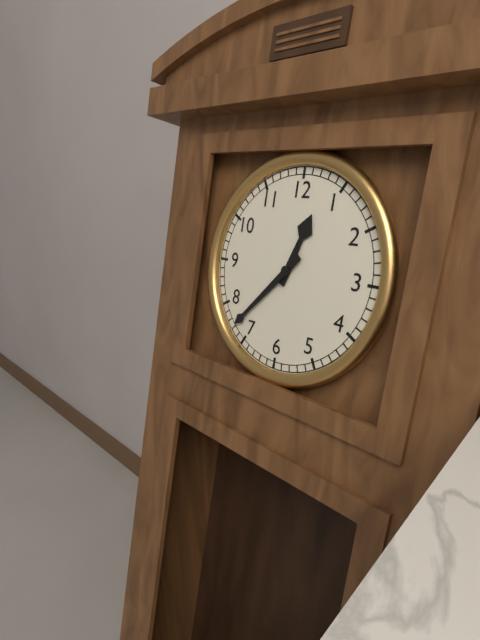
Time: {"hour": 12, "minute": 37}
